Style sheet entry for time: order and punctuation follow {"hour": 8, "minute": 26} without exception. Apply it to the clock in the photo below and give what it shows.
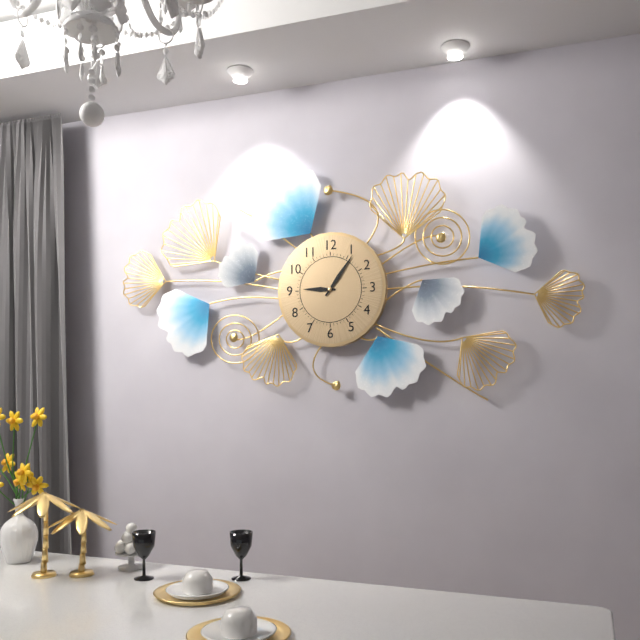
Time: {"hour": 9, "minute": 6}
